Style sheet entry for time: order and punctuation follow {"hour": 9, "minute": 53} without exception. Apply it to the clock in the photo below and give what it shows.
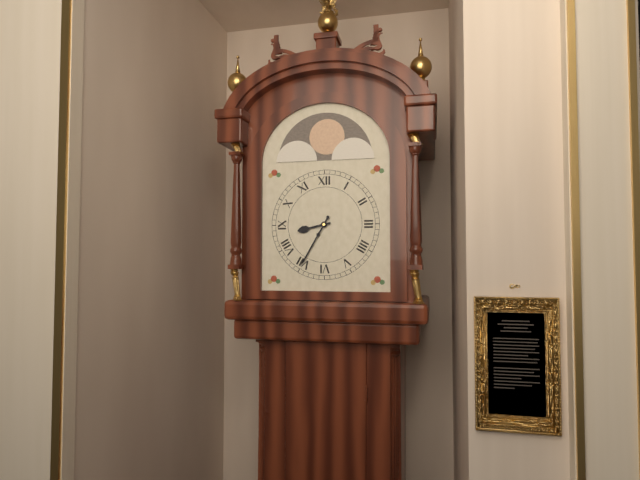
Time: {"hour": 8, "minute": 35}
